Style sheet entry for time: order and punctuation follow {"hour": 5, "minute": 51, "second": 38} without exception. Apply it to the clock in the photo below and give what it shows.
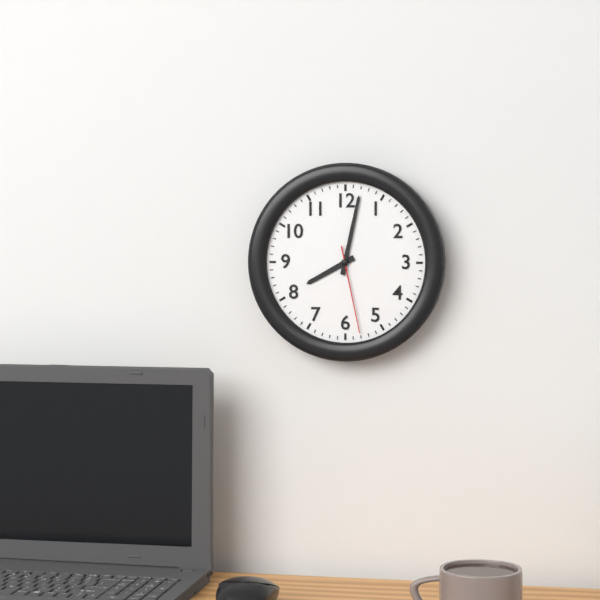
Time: {"hour": 8, "minute": 2, "second": 28}
